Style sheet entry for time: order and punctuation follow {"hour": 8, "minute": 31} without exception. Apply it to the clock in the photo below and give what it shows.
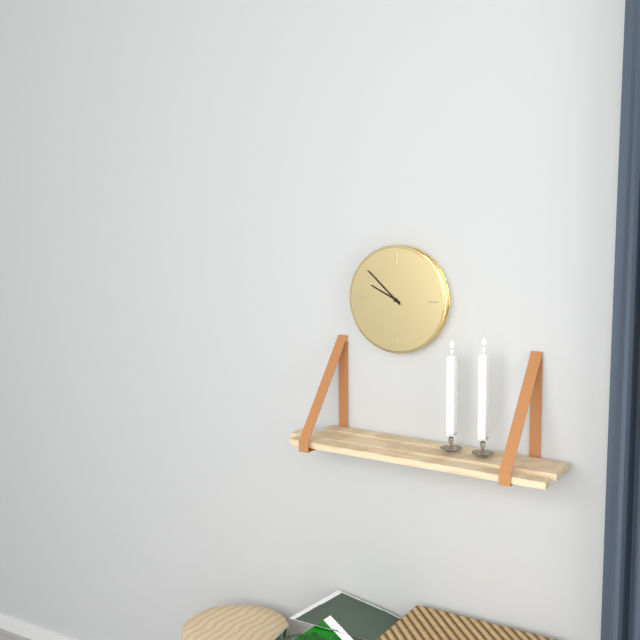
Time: {"hour": 9, "minute": 52}
